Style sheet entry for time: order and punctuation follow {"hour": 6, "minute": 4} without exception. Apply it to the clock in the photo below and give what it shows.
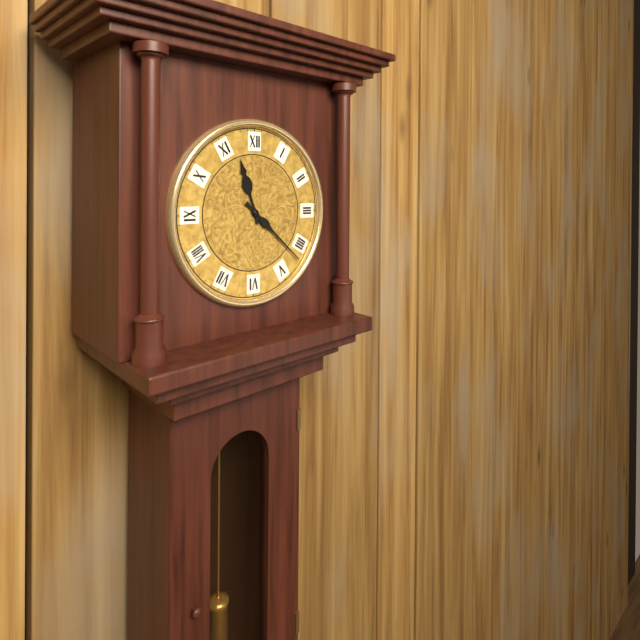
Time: {"hour": 11, "minute": 22}
